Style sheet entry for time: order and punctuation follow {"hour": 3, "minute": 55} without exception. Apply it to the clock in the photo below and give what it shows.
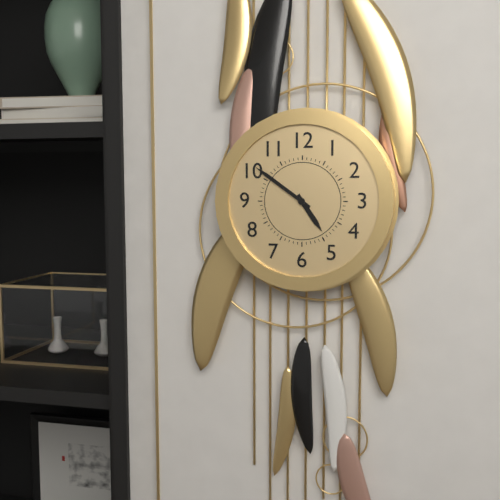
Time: {"hour": 4, "minute": 51}
